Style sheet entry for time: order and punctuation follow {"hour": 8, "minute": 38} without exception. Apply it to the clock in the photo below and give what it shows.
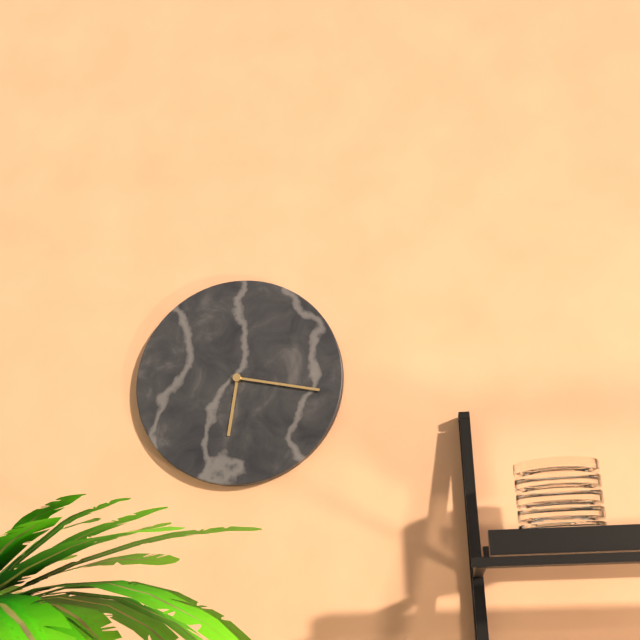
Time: {"hour": 6, "minute": 17}
